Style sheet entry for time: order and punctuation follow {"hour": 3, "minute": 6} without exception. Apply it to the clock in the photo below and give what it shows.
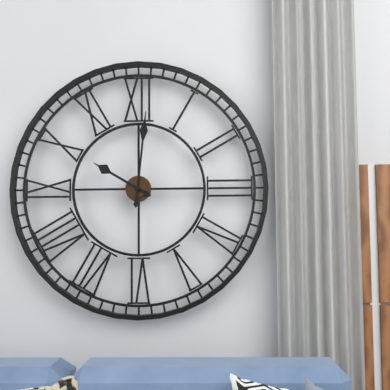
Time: {"hour": 10, "minute": 1}
